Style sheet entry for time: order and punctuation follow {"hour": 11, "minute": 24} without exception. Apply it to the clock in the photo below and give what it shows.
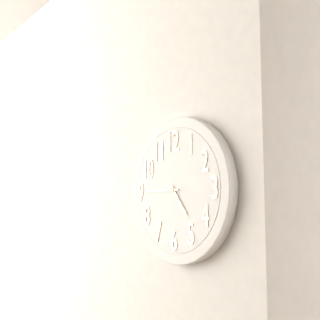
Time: {"hour": 4, "minute": 45}
